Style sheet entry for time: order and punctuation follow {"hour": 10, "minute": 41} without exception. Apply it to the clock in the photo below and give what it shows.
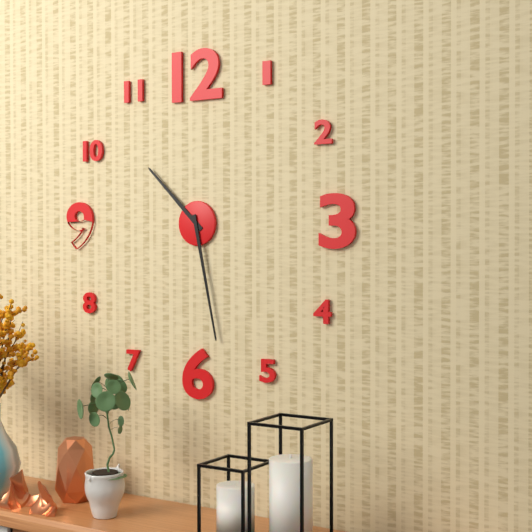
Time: {"hour": 10, "minute": 28}
